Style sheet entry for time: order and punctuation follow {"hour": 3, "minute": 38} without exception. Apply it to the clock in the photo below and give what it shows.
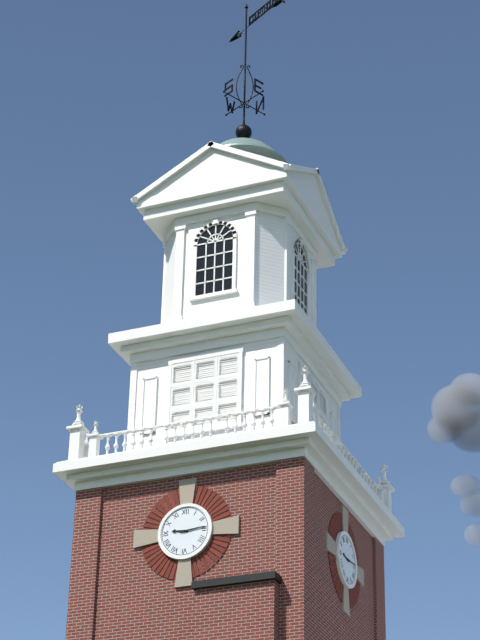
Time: {"hour": 9, "minute": 14}
